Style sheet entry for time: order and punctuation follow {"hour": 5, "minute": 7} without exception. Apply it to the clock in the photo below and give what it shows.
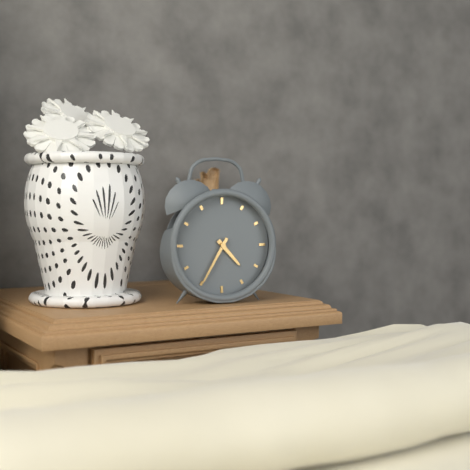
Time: {"hour": 4, "minute": 35}
